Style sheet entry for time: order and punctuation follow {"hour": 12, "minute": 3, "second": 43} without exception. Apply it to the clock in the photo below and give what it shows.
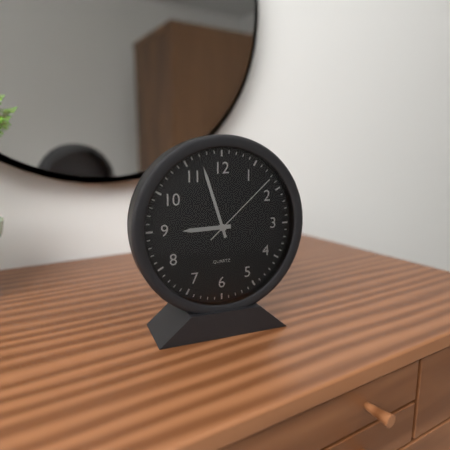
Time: {"hour": 8, "minute": 57, "second": 8}
